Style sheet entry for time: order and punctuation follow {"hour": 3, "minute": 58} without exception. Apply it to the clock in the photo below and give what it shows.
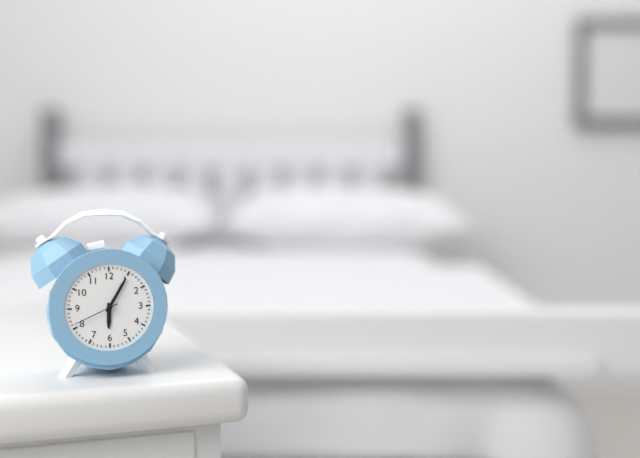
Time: {"hour": 6, "minute": 5}
